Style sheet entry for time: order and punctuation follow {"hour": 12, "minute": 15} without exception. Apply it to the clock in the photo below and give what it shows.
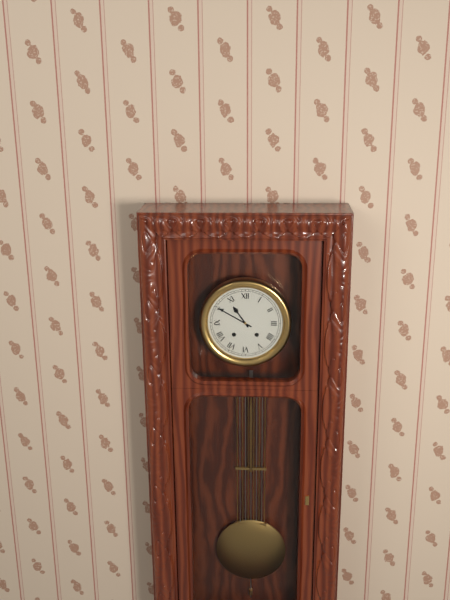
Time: {"hour": 10, "minute": 50}
